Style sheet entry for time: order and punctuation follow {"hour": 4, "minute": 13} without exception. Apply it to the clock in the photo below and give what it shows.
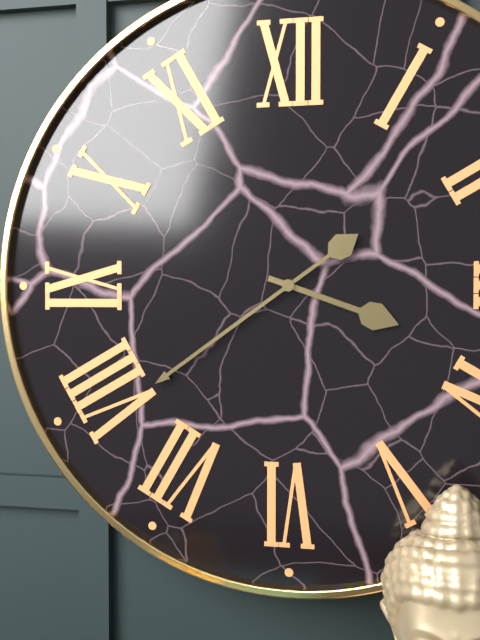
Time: {"hour": 3, "minute": 39}
